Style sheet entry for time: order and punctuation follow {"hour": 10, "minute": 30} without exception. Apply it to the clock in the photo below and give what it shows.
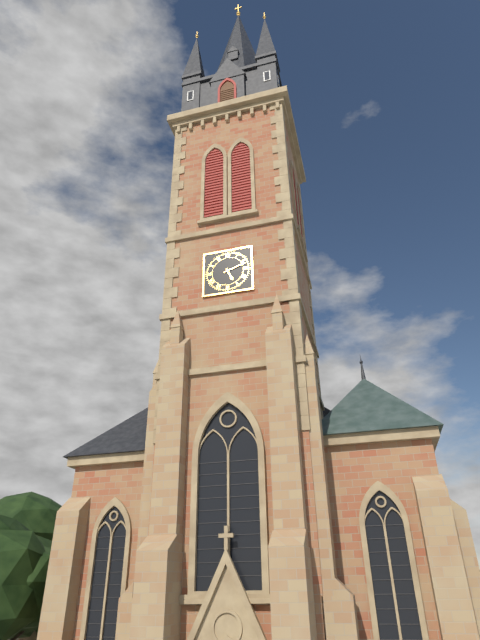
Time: {"hour": 5, "minute": 12}
